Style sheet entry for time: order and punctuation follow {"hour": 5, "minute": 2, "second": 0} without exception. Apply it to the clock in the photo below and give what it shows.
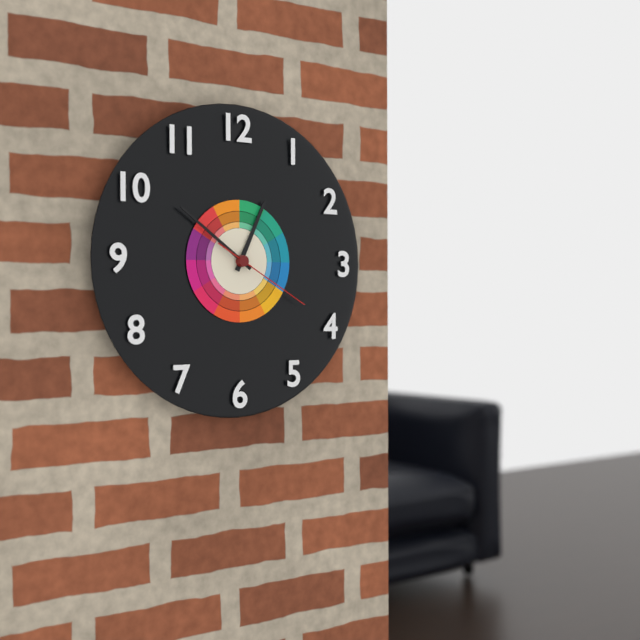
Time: {"hour": 12, "minute": 51, "second": 20}
